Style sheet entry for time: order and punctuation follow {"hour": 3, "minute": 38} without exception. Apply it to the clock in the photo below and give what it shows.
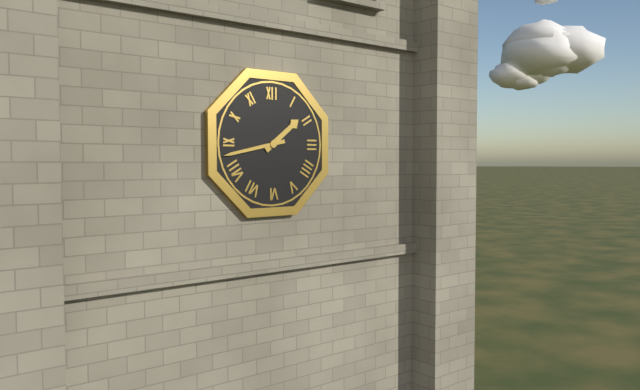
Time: {"hour": 1, "minute": 43}
